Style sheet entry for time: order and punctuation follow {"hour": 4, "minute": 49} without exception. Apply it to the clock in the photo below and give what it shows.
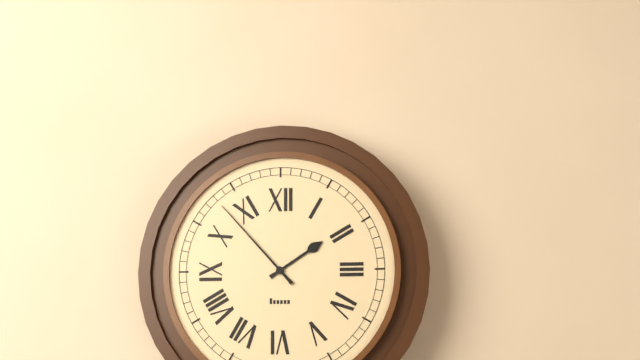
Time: {"hour": 1, "minute": 53}
